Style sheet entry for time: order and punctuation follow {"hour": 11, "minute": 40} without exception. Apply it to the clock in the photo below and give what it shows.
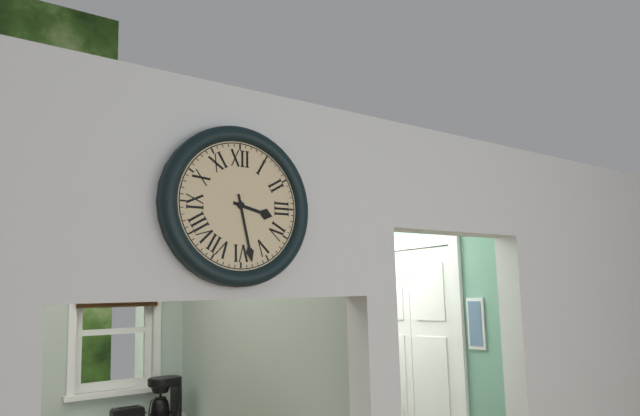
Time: {"hour": 3, "minute": 28}
